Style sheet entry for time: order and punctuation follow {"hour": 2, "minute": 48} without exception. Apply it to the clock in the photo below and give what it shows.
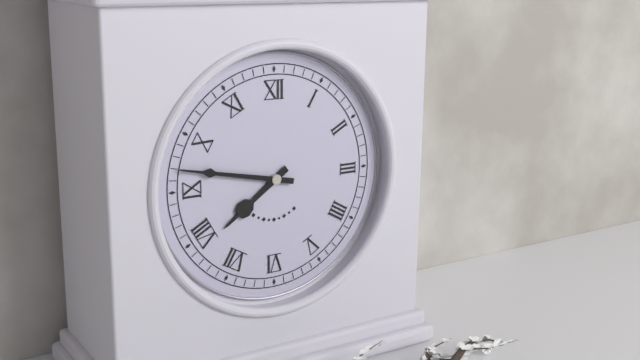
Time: {"hour": 7, "minute": 47}
